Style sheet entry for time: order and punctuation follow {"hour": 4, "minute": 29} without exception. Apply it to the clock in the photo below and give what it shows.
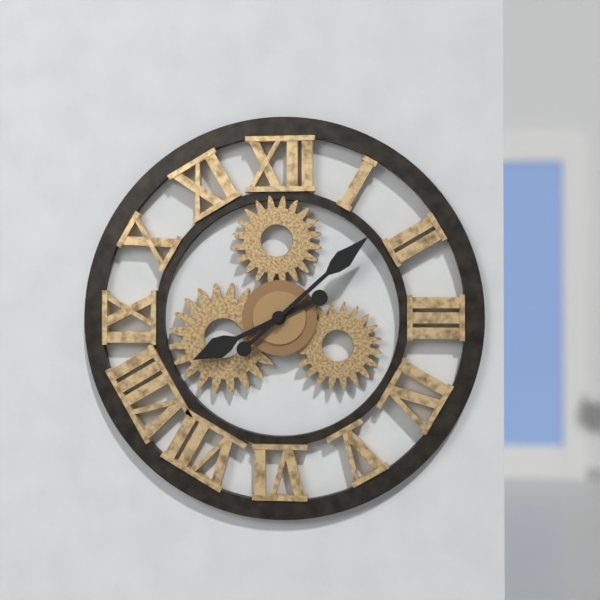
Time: {"hour": 8, "minute": 8}
